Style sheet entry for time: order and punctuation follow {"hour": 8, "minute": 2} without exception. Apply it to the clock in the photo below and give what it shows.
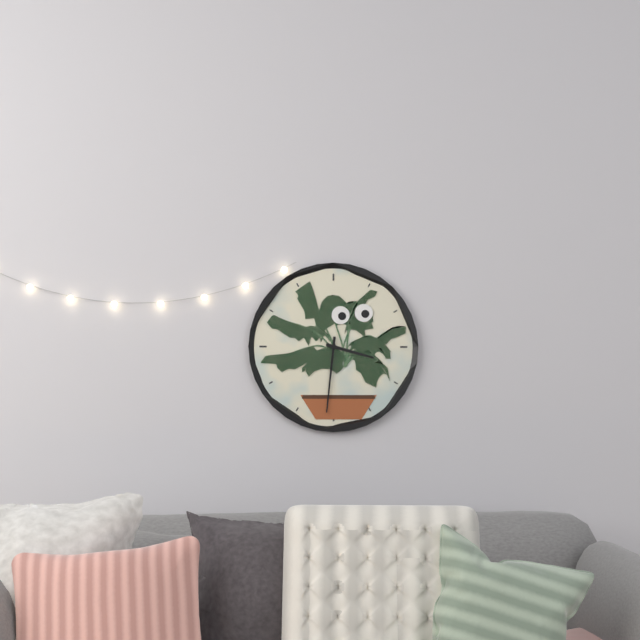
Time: {"hour": 3, "minute": 31}
